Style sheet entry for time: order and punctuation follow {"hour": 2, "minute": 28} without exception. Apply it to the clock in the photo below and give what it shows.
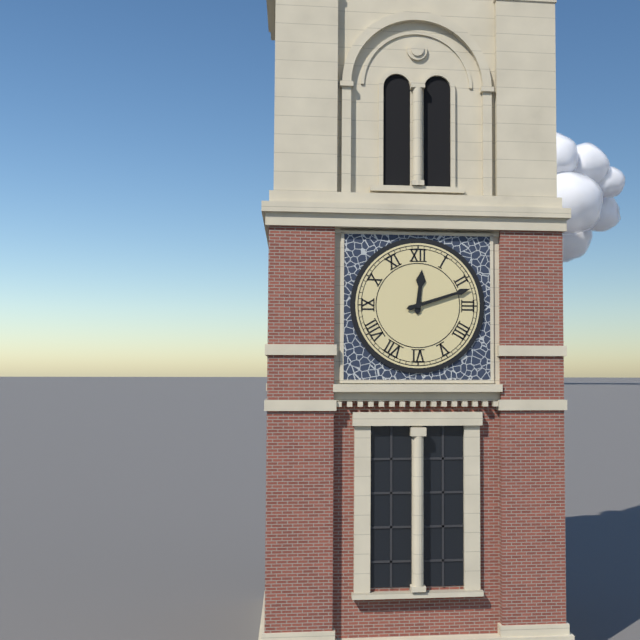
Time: {"hour": 12, "minute": 12}
